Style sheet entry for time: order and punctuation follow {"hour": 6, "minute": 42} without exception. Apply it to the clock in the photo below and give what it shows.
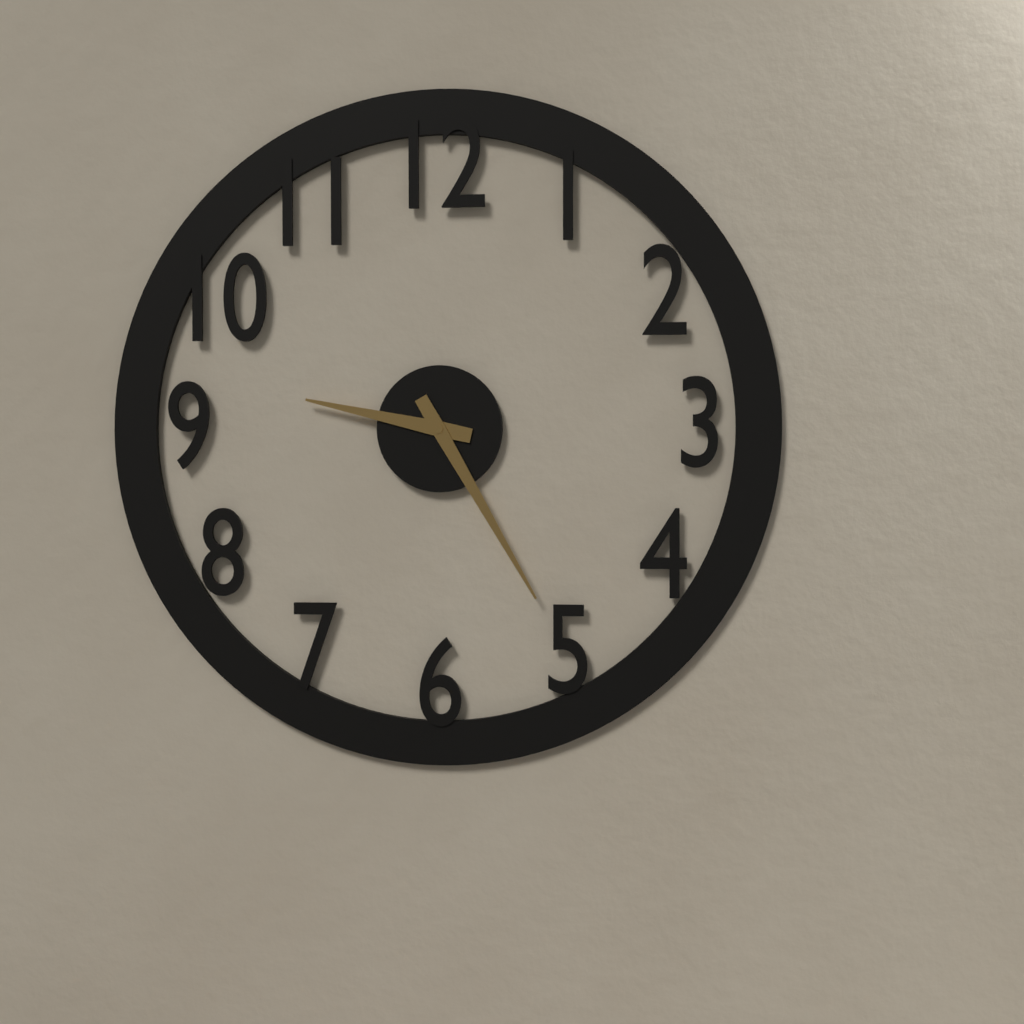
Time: {"hour": 9, "minute": 25}
